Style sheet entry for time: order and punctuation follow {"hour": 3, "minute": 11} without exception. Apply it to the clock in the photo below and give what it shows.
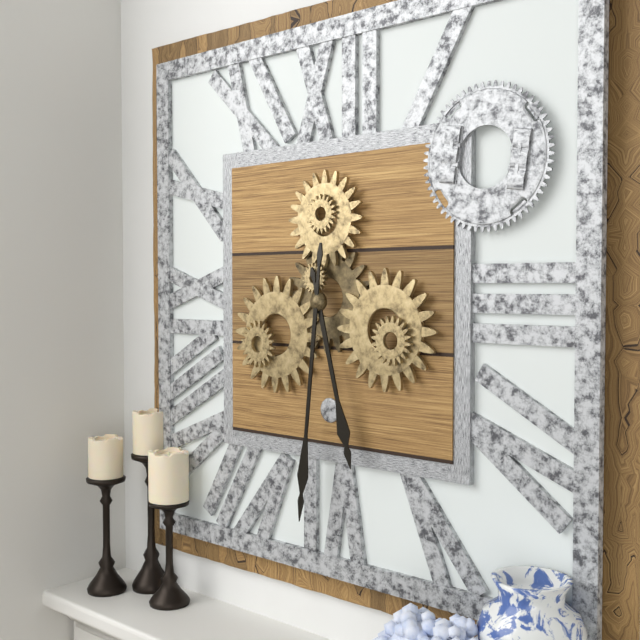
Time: {"hour": 5, "minute": 31}
